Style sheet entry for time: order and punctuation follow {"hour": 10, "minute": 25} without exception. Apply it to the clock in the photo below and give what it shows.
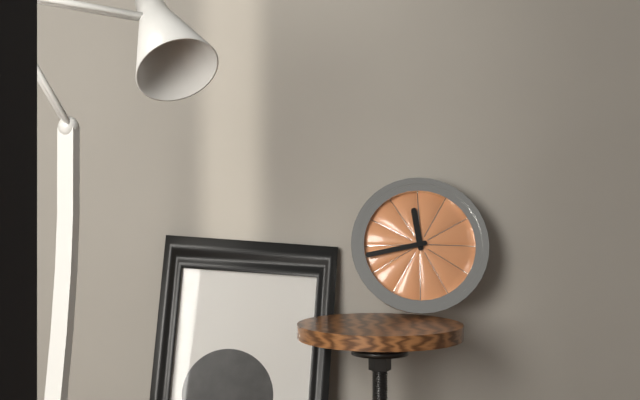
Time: {"hour": 11, "minute": 43}
